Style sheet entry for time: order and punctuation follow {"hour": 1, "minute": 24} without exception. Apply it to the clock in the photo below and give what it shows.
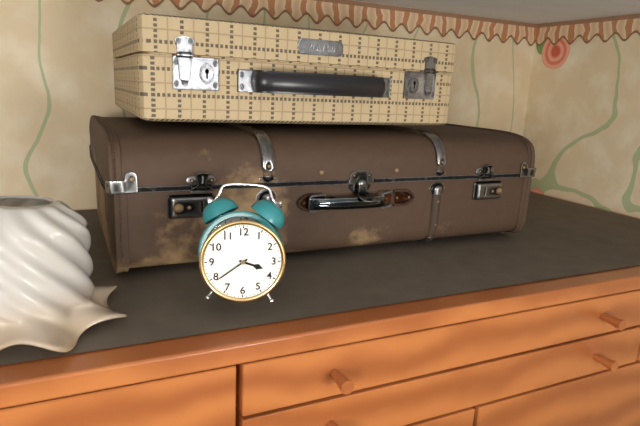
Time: {"hour": 3, "minute": 39}
